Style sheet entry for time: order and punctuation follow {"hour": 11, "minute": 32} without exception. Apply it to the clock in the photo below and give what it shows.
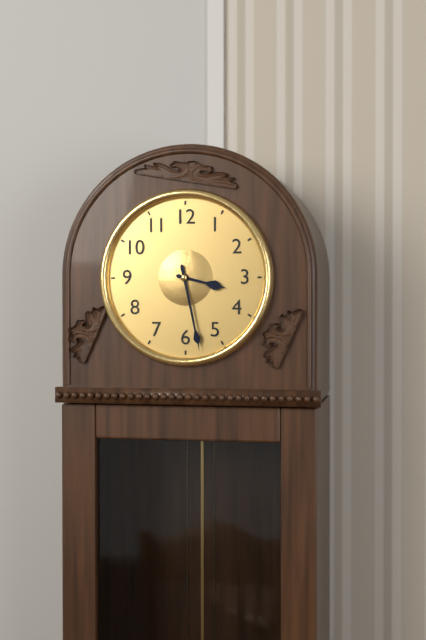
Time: {"hour": 3, "minute": 28}
